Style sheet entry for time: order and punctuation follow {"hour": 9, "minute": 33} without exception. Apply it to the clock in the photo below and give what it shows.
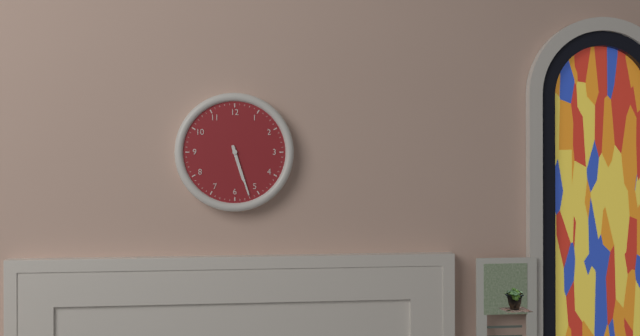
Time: {"hour": 5, "minute": 27}
